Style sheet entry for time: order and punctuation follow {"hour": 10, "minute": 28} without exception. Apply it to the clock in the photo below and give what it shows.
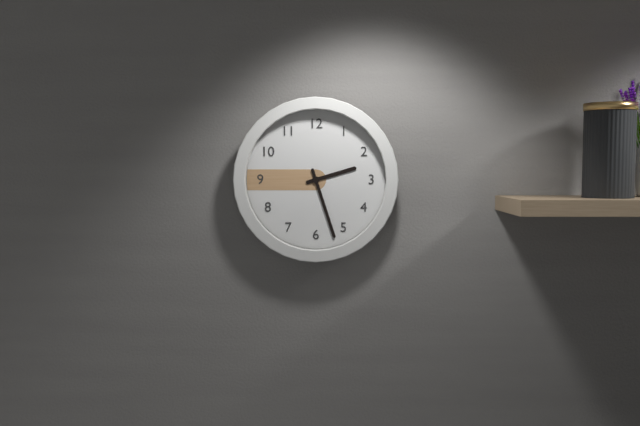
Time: {"hour": 2, "minute": 27}
